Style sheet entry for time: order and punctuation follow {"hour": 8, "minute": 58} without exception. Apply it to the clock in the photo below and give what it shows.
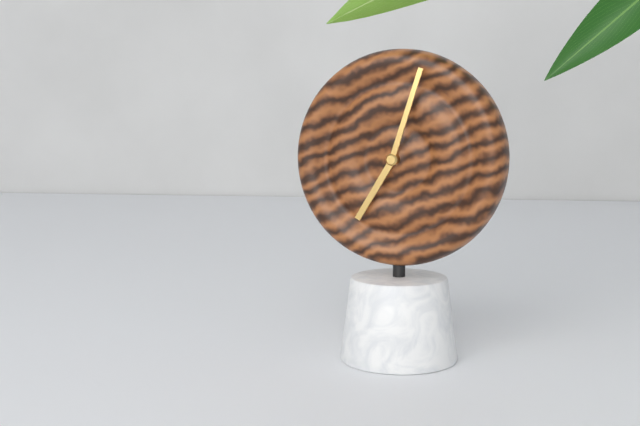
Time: {"hour": 7, "minute": 3}
